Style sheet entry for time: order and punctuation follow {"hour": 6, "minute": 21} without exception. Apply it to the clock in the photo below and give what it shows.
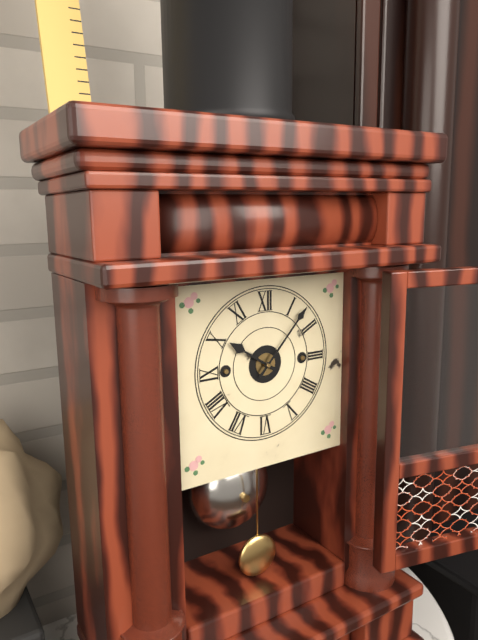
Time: {"hour": 10, "minute": 7}
